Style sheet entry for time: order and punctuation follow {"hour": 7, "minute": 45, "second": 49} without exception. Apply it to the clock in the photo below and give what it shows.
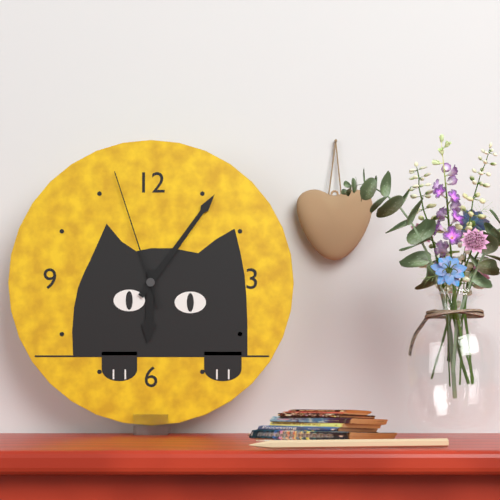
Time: {"hour": 6, "minute": 6, "second": 57}
